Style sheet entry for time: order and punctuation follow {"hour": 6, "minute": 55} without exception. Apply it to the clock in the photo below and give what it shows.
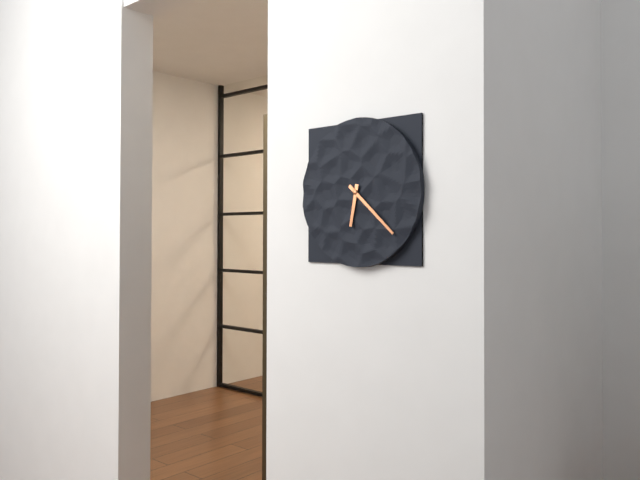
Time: {"hour": 6, "minute": 22}
